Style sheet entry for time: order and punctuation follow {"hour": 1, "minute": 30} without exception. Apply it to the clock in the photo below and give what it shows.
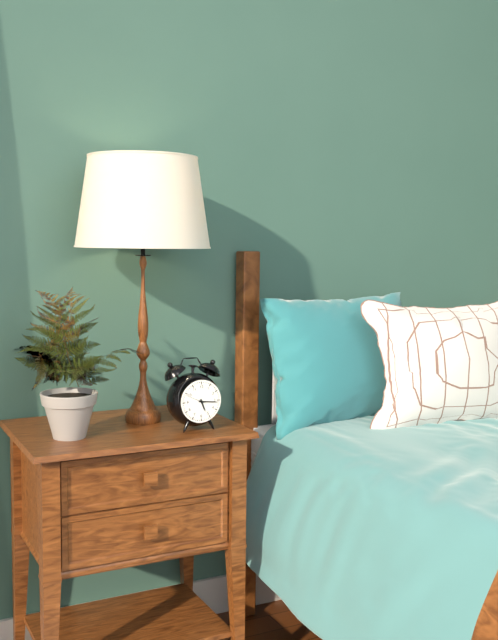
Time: {"hour": 5, "minute": 16}
